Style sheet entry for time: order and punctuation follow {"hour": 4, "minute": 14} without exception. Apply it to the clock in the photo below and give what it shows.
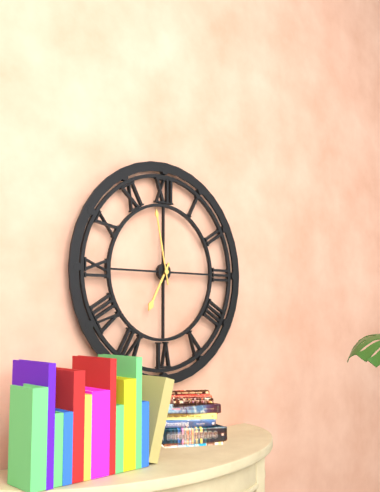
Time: {"hour": 6, "minute": 58}
